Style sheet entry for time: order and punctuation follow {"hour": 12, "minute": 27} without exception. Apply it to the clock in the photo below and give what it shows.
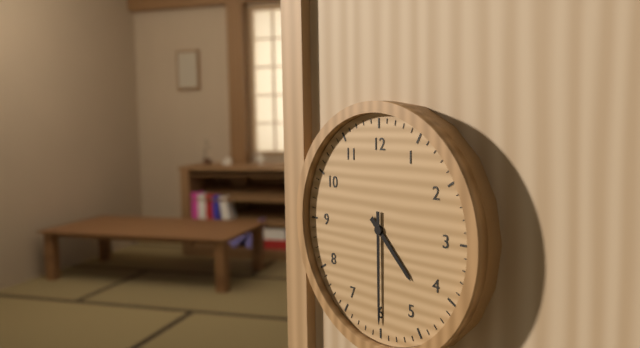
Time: {"hour": 4, "minute": 30}
